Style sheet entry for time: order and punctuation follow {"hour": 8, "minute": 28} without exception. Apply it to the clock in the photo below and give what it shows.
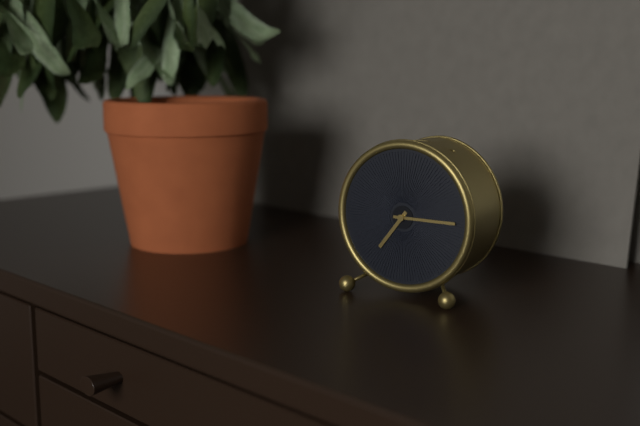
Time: {"hour": 7, "minute": 15}
